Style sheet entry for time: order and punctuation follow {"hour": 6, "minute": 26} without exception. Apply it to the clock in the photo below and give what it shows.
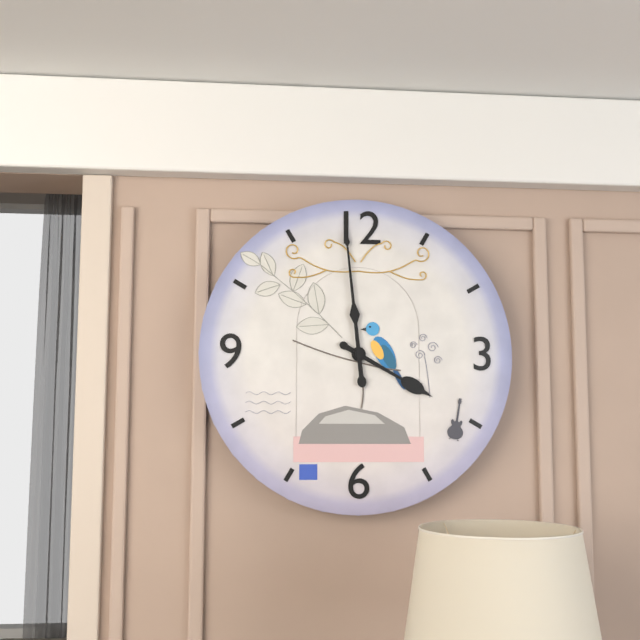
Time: {"hour": 3, "minute": 59}
